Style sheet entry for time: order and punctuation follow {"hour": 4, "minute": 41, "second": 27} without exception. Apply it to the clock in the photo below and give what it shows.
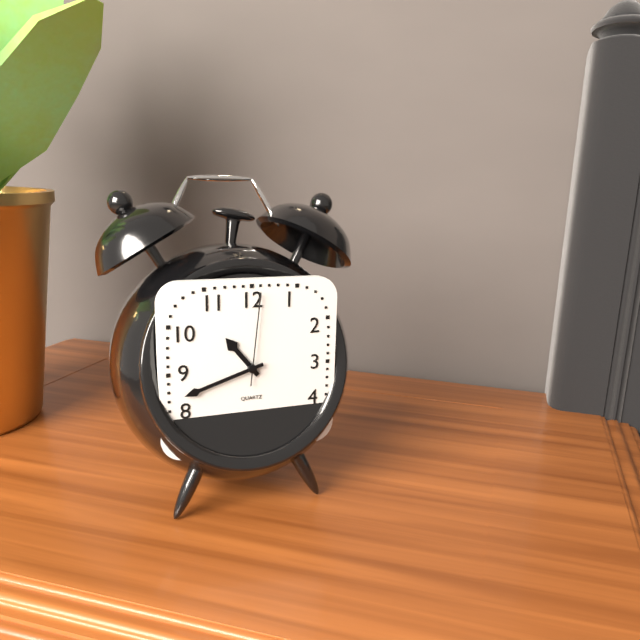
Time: {"hour": 10, "minute": 42, "second": 1}
